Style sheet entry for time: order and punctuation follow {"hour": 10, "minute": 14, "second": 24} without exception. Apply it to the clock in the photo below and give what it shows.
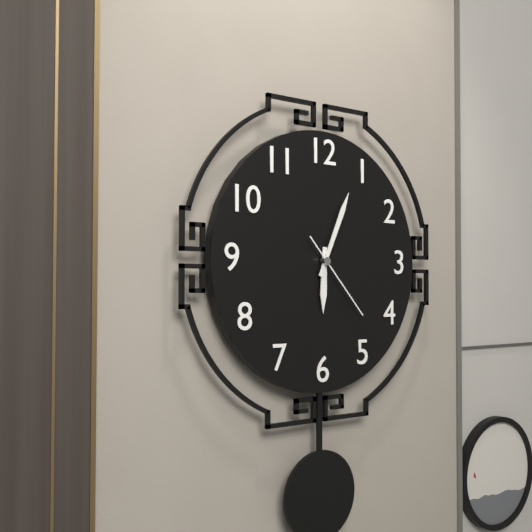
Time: {"hour": 6, "minute": 4, "second": 23}
